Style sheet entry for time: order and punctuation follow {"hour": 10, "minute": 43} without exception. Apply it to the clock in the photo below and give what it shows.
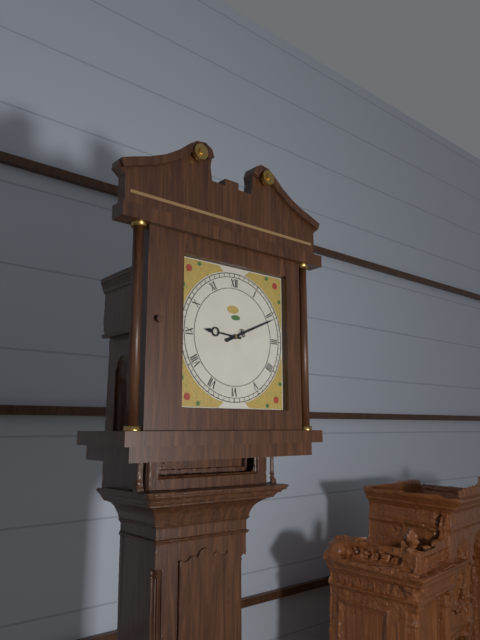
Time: {"hour": 9, "minute": 11}
